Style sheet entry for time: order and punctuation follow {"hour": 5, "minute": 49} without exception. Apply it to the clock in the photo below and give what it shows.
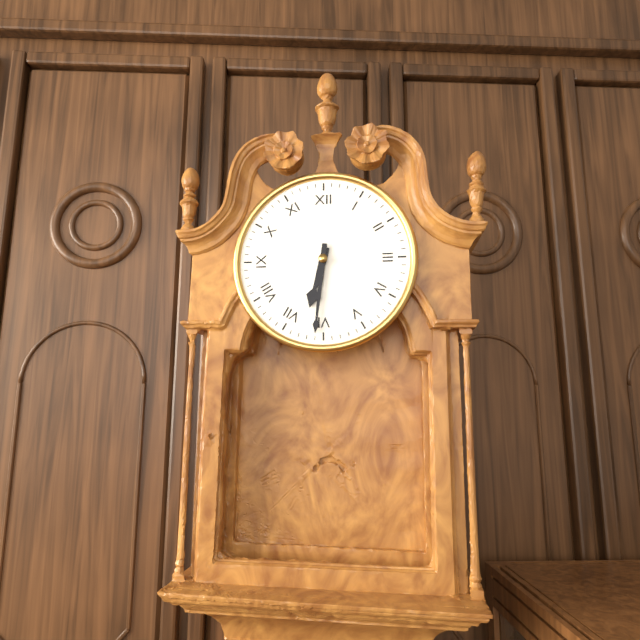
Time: {"hour": 6, "minute": 31}
